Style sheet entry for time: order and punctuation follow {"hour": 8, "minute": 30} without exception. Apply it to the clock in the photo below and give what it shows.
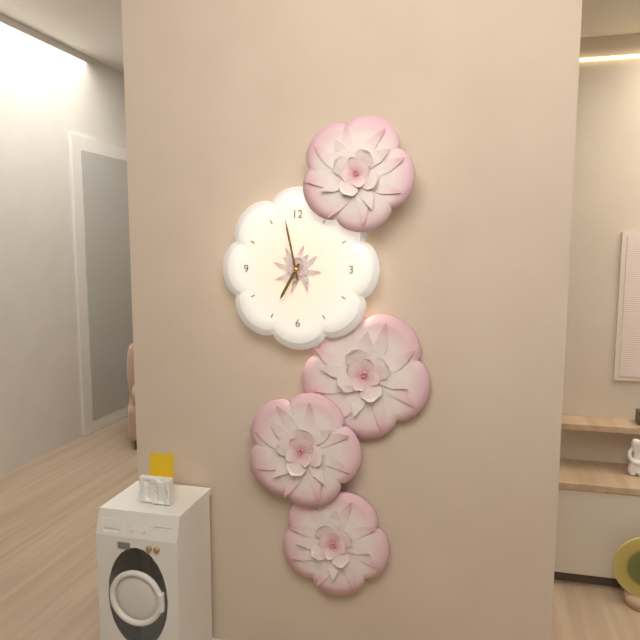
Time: {"hour": 6, "minute": 58}
